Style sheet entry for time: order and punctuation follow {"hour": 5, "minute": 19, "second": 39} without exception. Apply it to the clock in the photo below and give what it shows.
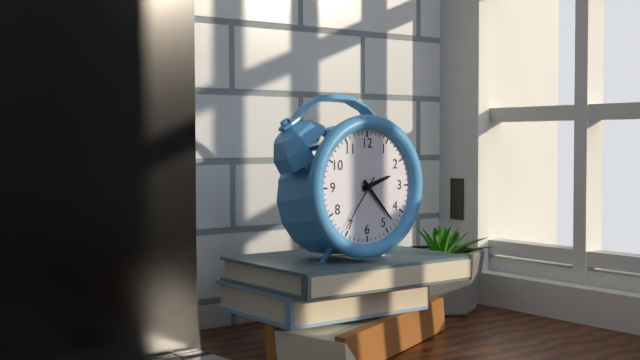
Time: {"hour": 2, "minute": 23, "second": 36}
